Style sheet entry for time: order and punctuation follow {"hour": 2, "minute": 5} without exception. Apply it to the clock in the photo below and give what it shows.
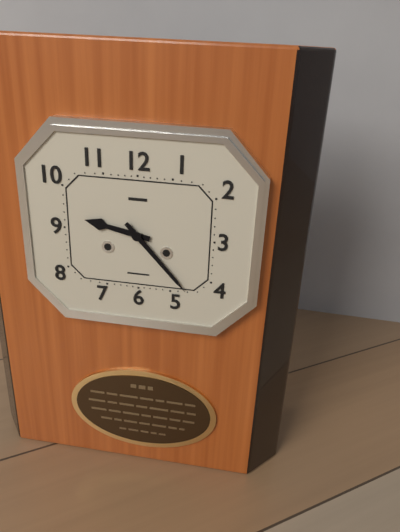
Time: {"hour": 9, "minute": 23}
